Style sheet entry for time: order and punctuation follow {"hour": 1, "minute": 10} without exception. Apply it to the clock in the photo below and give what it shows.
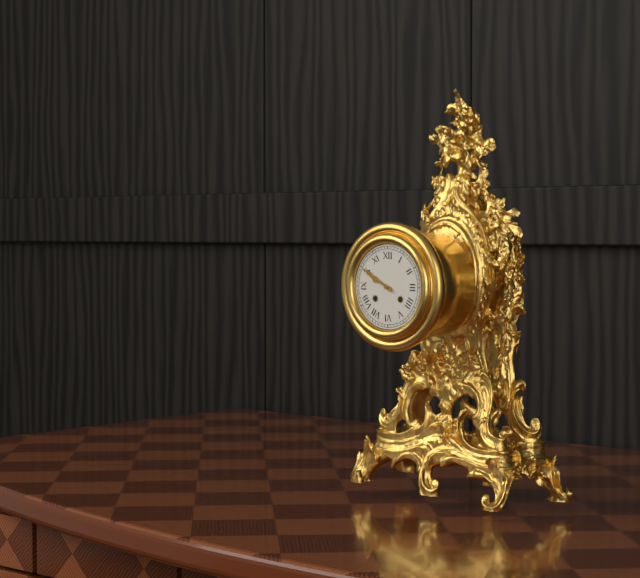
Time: {"hour": 9, "minute": 50}
